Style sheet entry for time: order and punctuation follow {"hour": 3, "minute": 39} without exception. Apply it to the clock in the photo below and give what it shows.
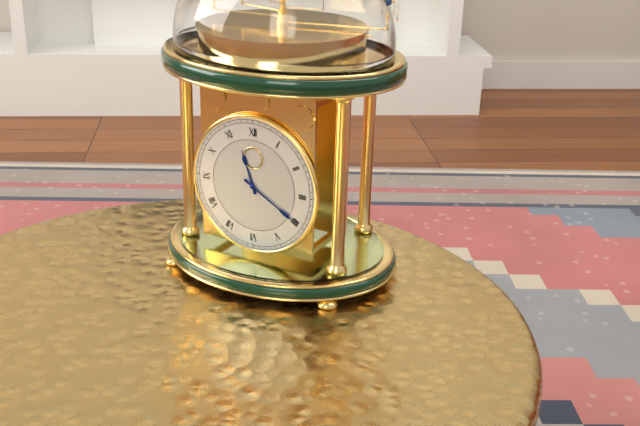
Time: {"hour": 11, "minute": 20}
